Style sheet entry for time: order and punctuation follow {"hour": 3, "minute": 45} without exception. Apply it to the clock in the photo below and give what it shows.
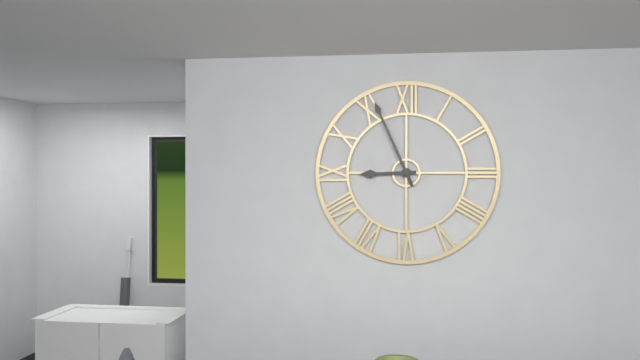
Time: {"hour": 8, "minute": 56}
